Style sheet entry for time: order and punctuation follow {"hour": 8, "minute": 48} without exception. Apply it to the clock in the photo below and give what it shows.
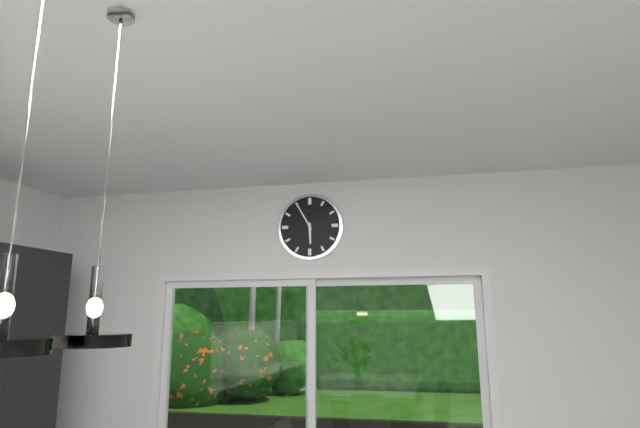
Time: {"hour": 5, "minute": 55}
